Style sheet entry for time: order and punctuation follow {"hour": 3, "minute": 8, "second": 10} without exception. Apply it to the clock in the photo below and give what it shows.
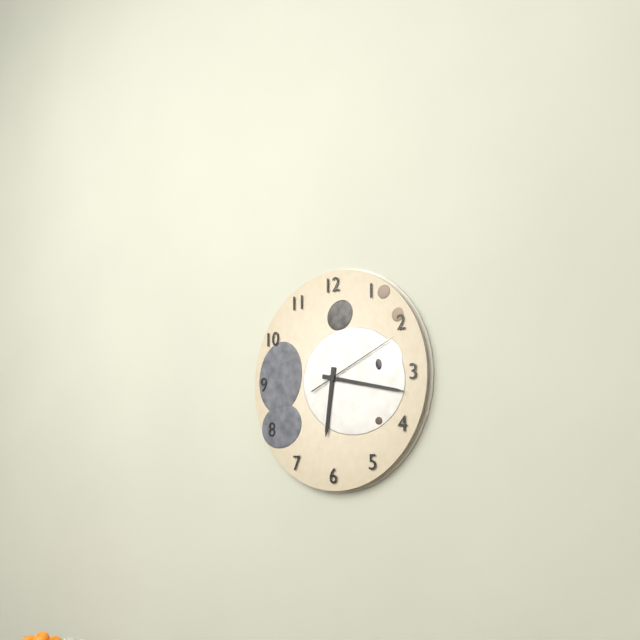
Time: {"hour": 6, "minute": 17, "second": 11}
